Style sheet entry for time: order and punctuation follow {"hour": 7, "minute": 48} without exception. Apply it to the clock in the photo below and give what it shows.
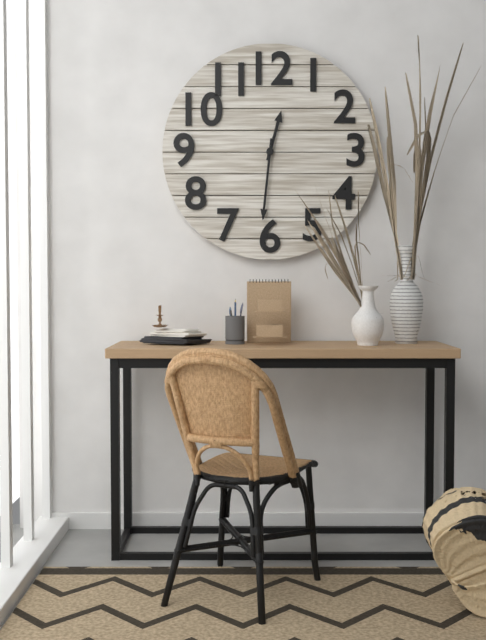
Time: {"hour": 12, "minute": 31}
